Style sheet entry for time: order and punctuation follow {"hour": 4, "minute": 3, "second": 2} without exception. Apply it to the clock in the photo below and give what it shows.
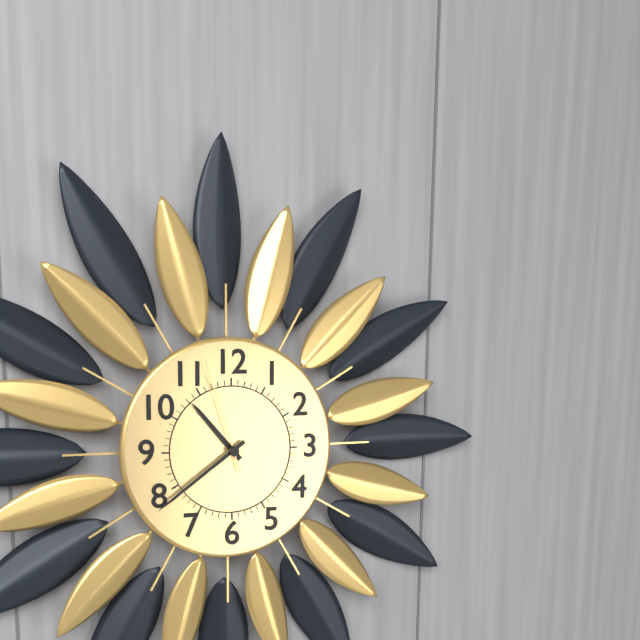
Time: {"hour": 10, "minute": 39, "second": 57}
